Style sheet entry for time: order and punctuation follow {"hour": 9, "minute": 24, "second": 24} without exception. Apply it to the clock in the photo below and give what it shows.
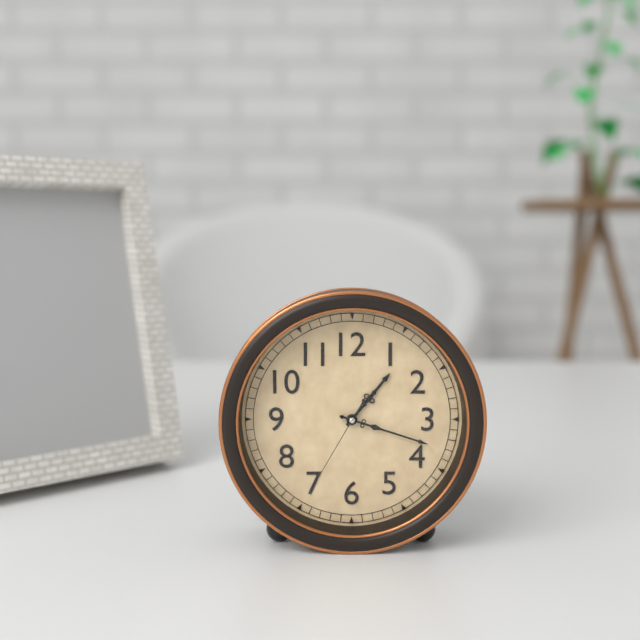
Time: {"hour": 1, "minute": 18, "second": 35}
